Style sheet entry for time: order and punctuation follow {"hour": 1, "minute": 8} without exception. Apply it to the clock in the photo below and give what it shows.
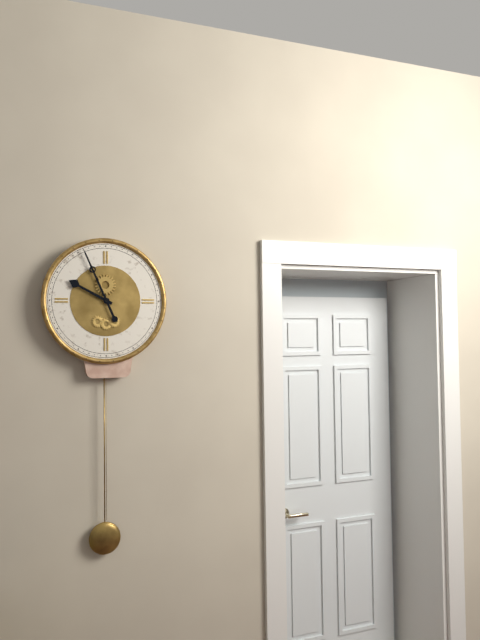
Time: {"hour": 9, "minute": 56}
